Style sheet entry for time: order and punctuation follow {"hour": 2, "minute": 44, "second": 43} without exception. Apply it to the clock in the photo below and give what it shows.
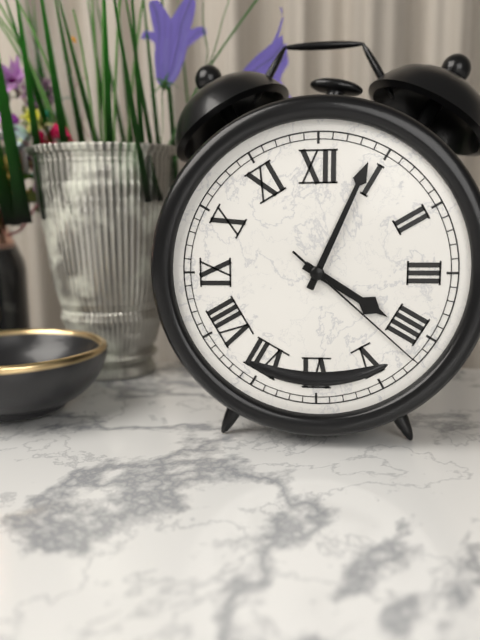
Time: {"hour": 4, "minute": 4, "second": 22}
